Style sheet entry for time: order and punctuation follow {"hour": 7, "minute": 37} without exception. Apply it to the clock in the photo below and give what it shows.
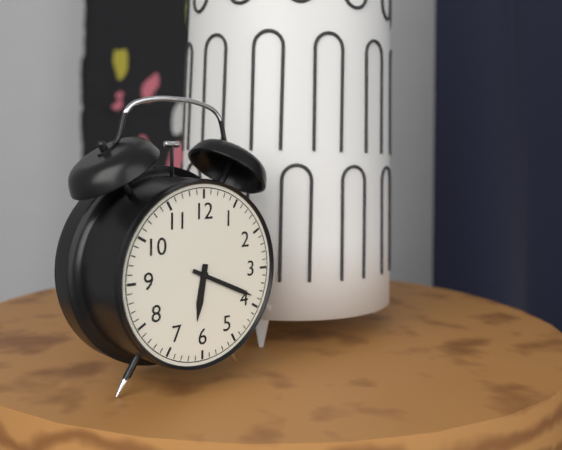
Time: {"hour": 6, "minute": 19}
